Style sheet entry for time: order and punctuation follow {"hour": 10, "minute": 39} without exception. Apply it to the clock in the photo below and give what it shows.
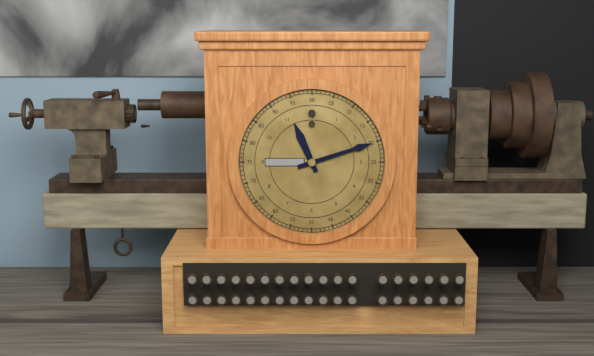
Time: {"hour": 11, "minute": 12}
